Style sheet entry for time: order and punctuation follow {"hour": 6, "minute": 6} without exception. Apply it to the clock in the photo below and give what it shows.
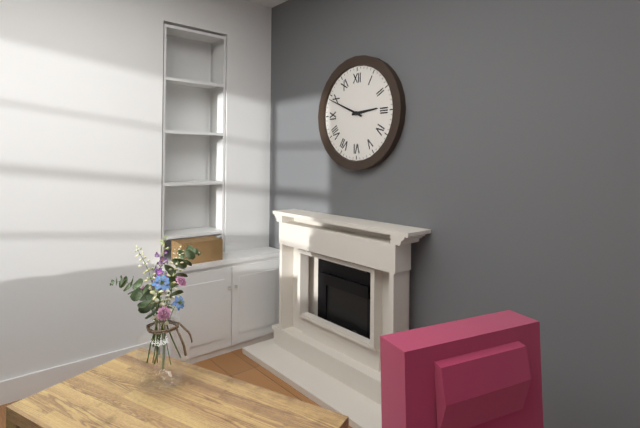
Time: {"hour": 2, "minute": 49}
